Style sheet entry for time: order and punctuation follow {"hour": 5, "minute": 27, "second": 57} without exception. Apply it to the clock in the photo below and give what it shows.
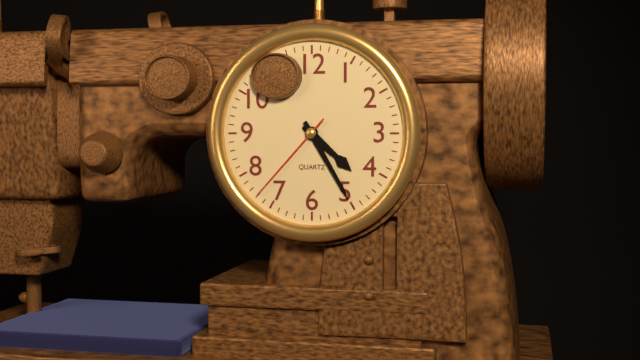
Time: {"hour": 4, "minute": 25, "second": 37}
